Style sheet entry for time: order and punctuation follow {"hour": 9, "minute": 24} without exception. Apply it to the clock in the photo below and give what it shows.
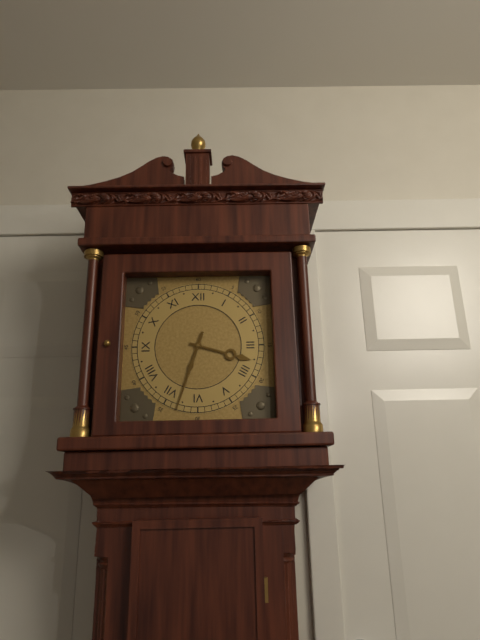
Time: {"hour": 3, "minute": 33}
